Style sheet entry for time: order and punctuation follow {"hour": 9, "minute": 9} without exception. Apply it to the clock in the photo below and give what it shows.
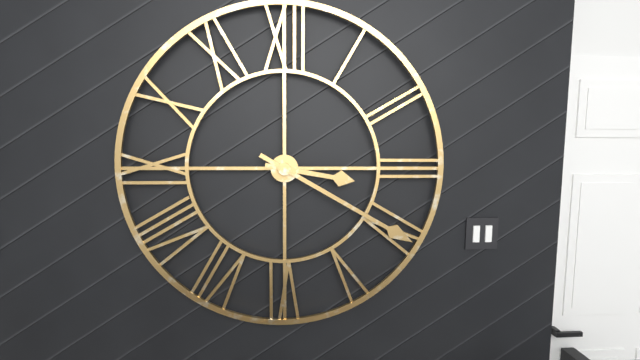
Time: {"hour": 3, "minute": 20}
